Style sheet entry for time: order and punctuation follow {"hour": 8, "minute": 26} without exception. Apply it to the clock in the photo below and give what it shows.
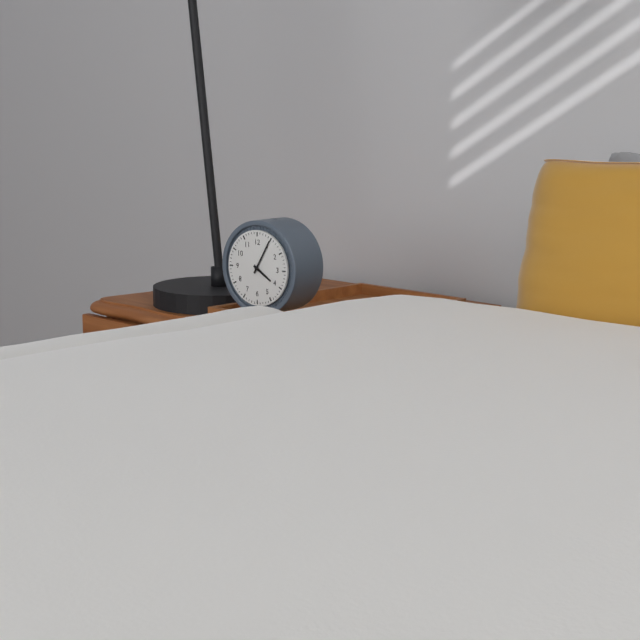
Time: {"hour": 4, "minute": 5}
